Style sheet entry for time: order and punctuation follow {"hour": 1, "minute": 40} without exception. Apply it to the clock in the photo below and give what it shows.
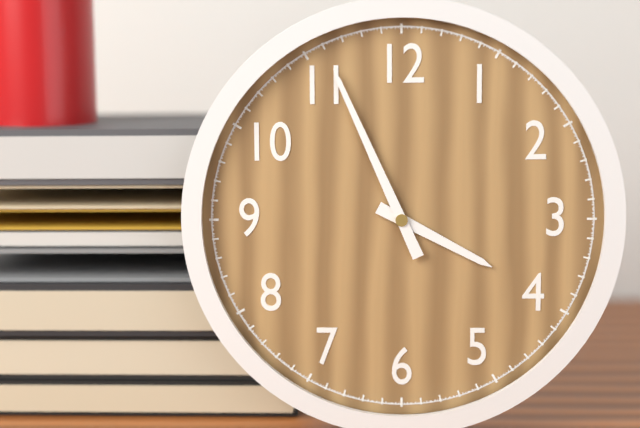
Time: {"hour": 3, "minute": 56}
